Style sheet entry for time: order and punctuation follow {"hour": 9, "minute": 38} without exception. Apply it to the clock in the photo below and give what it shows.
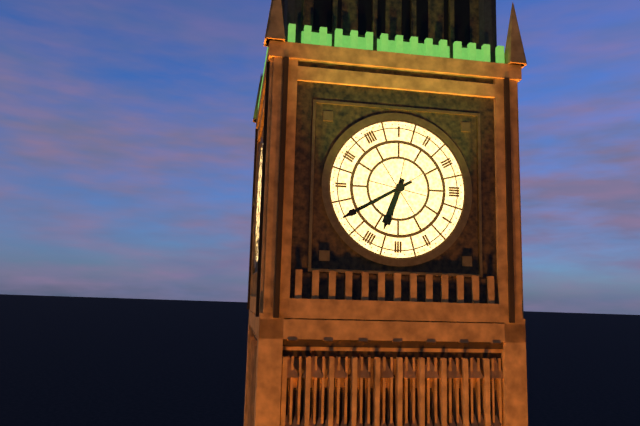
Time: {"hour": 6, "minute": 40}
